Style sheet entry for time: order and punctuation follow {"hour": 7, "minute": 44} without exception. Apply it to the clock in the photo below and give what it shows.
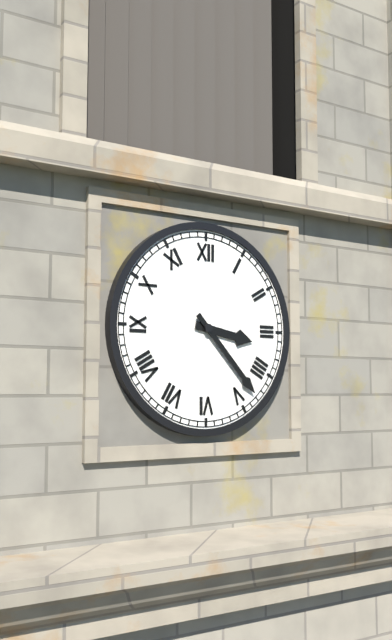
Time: {"hour": 3, "minute": 23}
